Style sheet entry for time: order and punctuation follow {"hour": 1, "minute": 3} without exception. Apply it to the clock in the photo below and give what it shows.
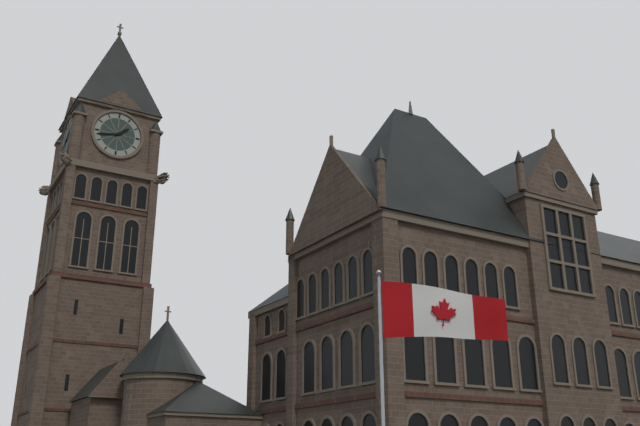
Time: {"hour": 1, "minute": 43}
